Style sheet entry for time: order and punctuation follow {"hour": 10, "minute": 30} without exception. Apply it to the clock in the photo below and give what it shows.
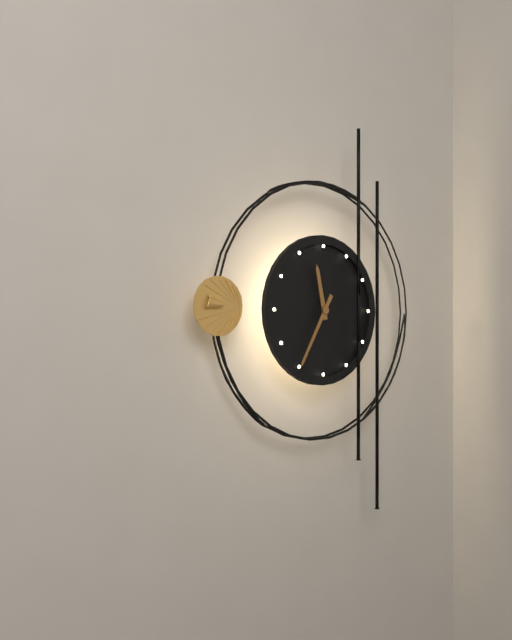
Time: {"hour": 11, "minute": 35}
